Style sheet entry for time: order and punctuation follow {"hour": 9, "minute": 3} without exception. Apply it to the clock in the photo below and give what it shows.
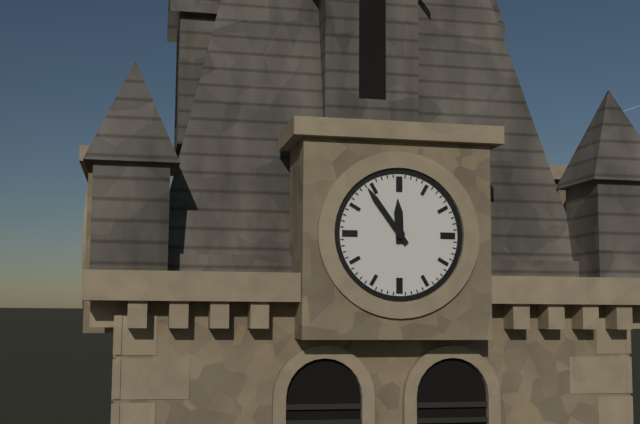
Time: {"hour": 11, "minute": 54}
